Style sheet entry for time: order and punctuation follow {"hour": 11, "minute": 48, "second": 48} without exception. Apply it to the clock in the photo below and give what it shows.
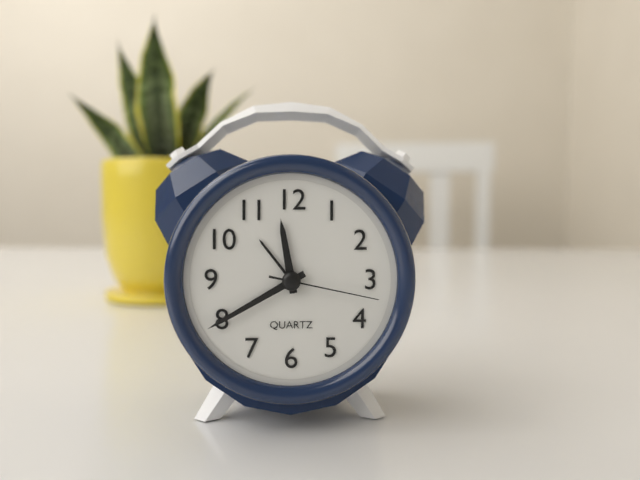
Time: {"hour": 11, "minute": 40, "second": 17}
